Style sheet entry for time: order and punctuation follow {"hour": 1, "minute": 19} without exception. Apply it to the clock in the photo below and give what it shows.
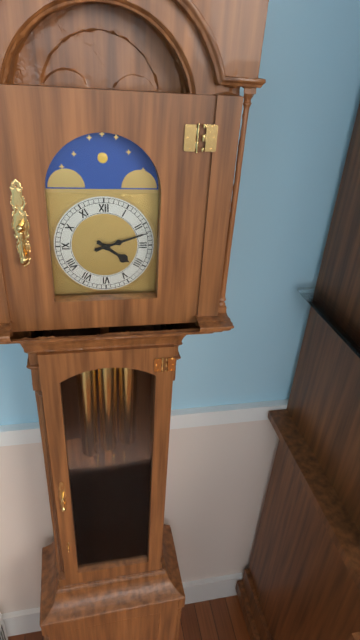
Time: {"hour": 4, "minute": 12}
